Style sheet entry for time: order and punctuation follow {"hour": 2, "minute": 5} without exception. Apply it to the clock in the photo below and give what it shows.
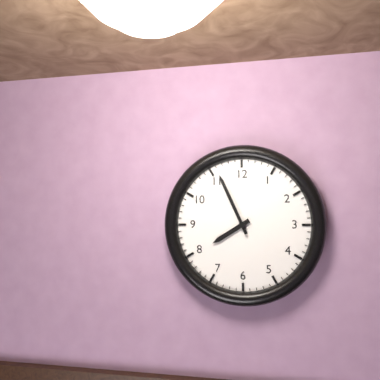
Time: {"hour": 7, "minute": 56}
